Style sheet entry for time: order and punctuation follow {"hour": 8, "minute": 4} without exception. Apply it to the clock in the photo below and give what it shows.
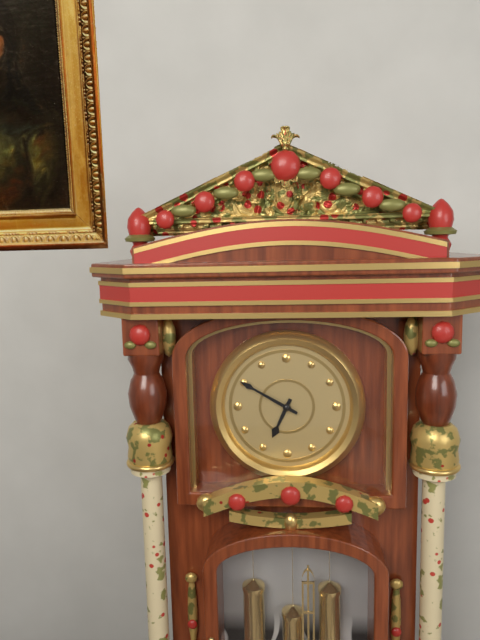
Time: {"hour": 6, "minute": 50}
